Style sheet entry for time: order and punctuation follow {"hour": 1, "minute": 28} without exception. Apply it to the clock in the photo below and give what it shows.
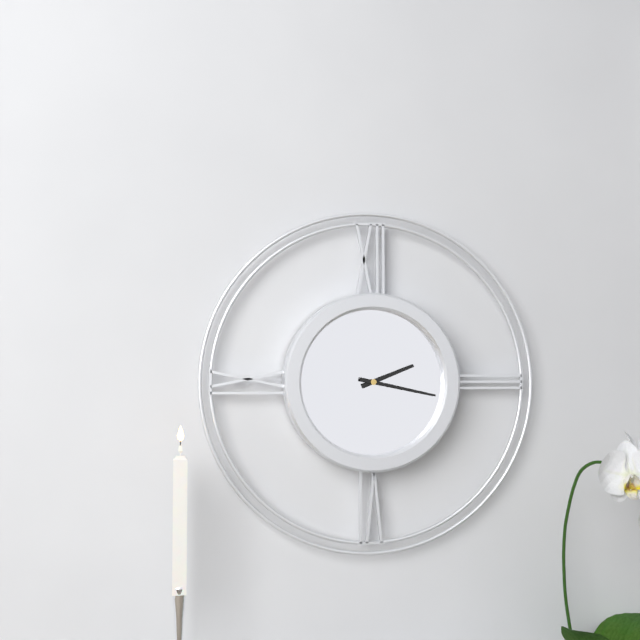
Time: {"hour": 2, "minute": 17}
